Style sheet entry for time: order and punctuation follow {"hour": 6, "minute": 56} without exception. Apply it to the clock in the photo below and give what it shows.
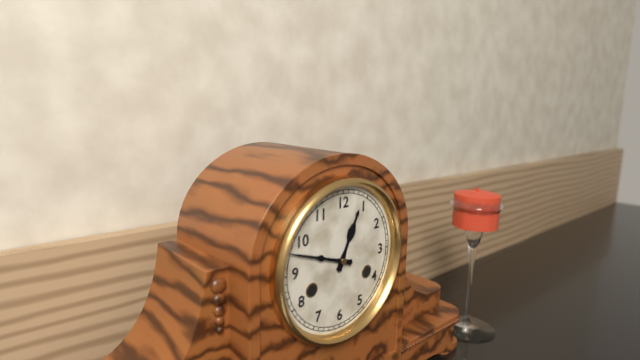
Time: {"hour": 12, "minute": 48}
